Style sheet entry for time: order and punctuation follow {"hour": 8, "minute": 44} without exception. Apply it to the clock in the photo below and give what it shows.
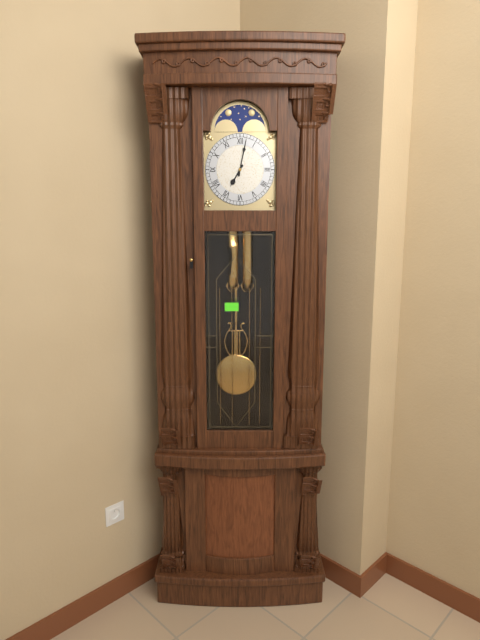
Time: {"hour": 7, "minute": 2}
